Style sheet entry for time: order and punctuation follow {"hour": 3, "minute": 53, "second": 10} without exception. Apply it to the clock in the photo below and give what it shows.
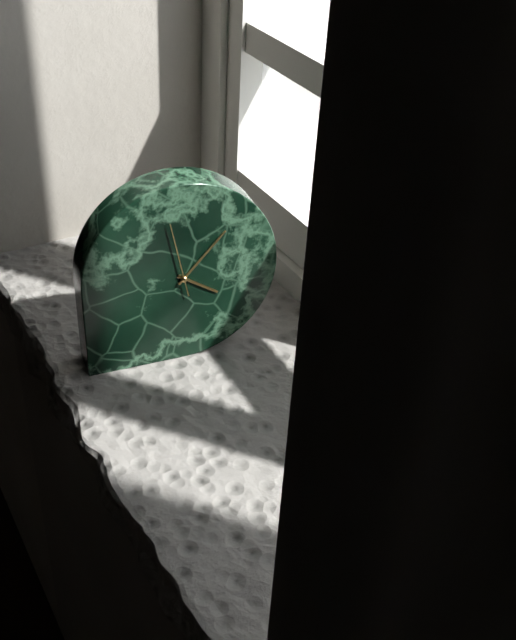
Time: {"hour": 4, "minute": 7, "second": 58}
